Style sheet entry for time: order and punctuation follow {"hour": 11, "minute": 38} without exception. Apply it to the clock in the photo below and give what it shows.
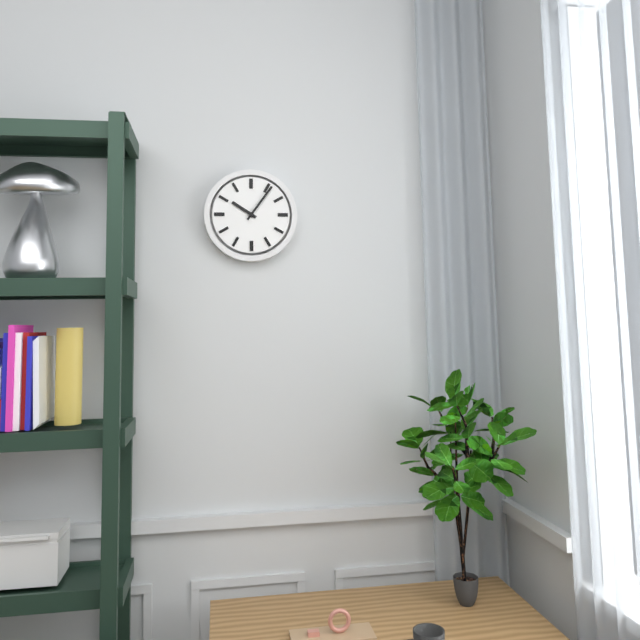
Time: {"hour": 10, "minute": 6}
